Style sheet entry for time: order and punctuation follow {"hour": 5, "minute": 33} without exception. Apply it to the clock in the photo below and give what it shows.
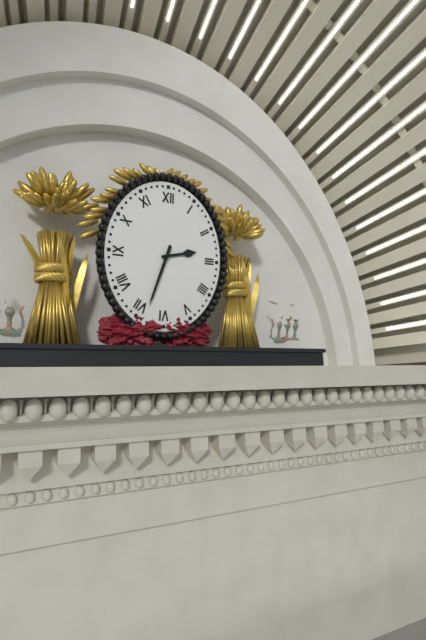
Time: {"hour": 2, "minute": 33}
